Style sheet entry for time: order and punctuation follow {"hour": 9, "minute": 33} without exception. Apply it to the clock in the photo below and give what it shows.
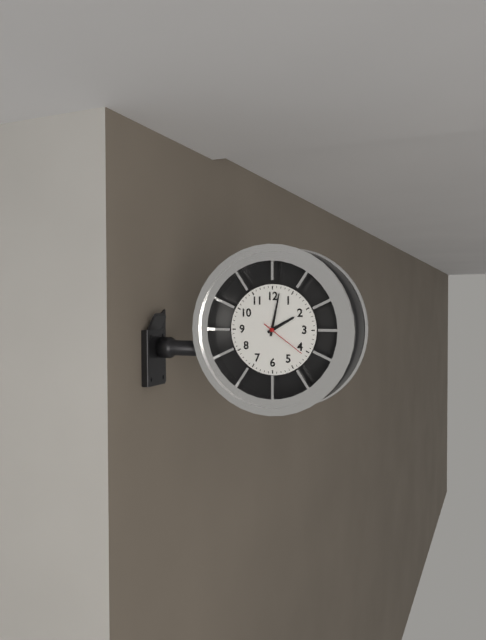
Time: {"hour": 2, "minute": 2}
